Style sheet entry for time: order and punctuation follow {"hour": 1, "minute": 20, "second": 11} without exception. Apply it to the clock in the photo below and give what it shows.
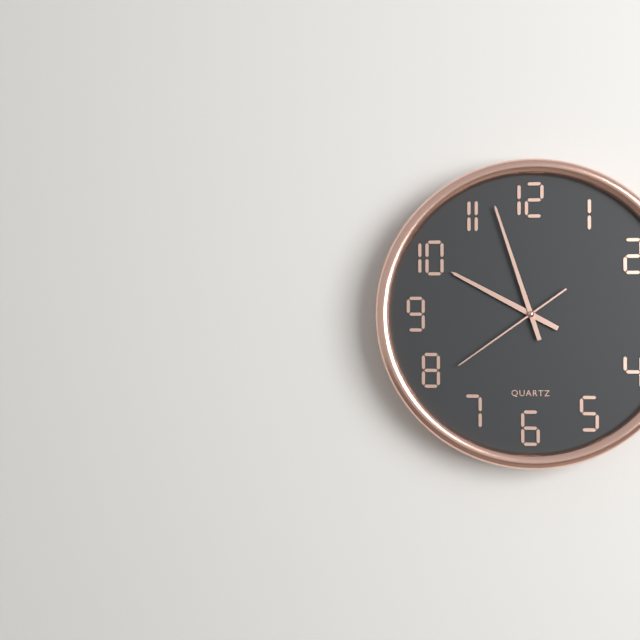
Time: {"hour": 9, "minute": 57, "second": 39}
